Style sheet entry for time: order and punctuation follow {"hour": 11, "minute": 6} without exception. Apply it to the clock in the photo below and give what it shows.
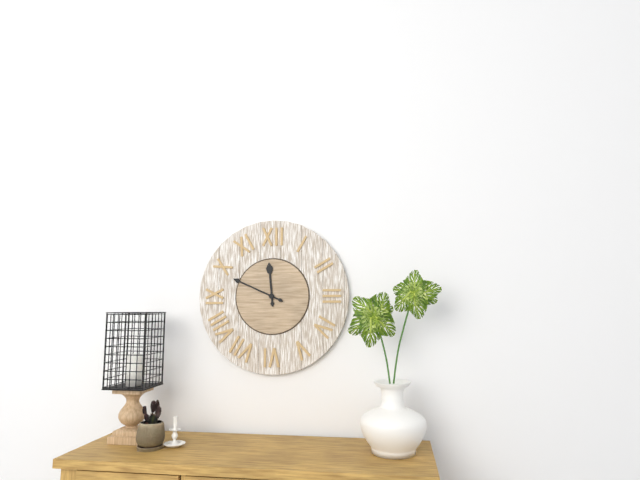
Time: {"hour": 11, "minute": 49}
